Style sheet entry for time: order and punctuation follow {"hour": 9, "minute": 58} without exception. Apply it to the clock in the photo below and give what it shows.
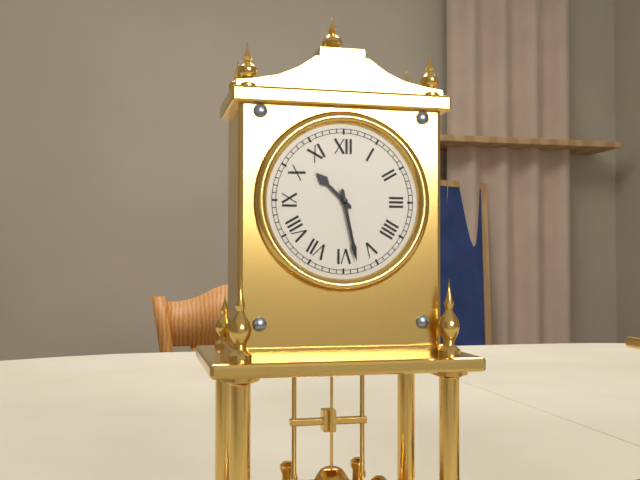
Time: {"hour": 10, "minute": 28}
